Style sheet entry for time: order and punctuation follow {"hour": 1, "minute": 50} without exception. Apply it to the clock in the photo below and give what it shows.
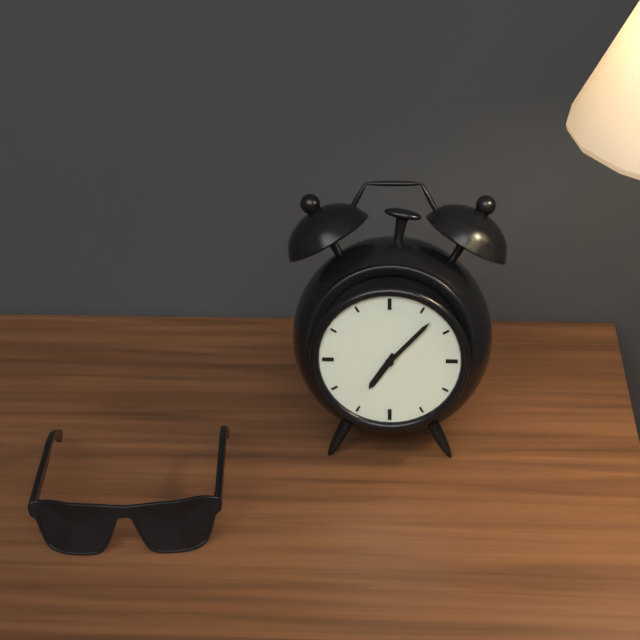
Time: {"hour": 7, "minute": 7}
